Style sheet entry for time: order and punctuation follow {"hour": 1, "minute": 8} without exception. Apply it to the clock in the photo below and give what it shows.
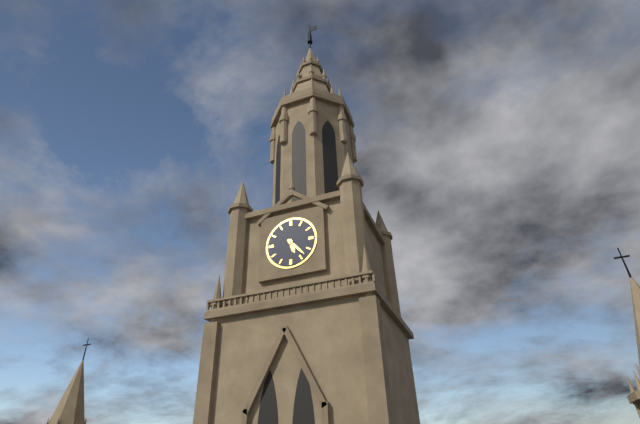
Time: {"hour": 5, "minute": 23}
